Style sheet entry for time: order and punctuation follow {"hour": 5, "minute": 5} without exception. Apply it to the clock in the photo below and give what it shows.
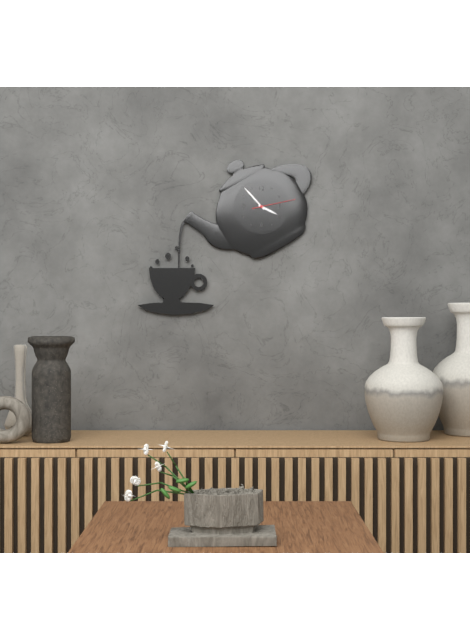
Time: {"hour": 3, "minute": 53}
